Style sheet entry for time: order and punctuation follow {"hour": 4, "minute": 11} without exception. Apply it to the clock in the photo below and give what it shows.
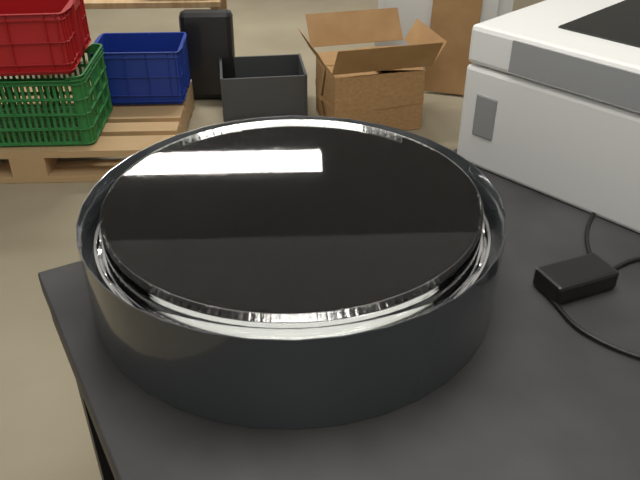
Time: {"hour": 2, "minute": 20}
